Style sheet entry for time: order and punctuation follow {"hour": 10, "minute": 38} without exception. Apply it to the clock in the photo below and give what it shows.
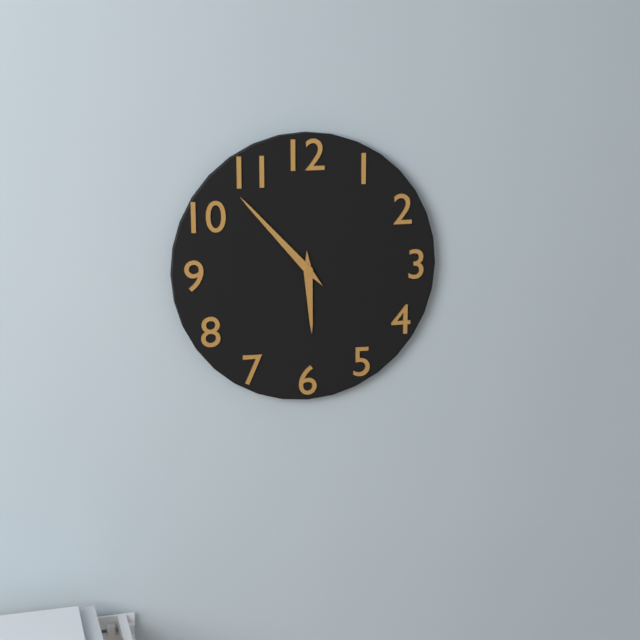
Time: {"hour": 5, "minute": 53}
